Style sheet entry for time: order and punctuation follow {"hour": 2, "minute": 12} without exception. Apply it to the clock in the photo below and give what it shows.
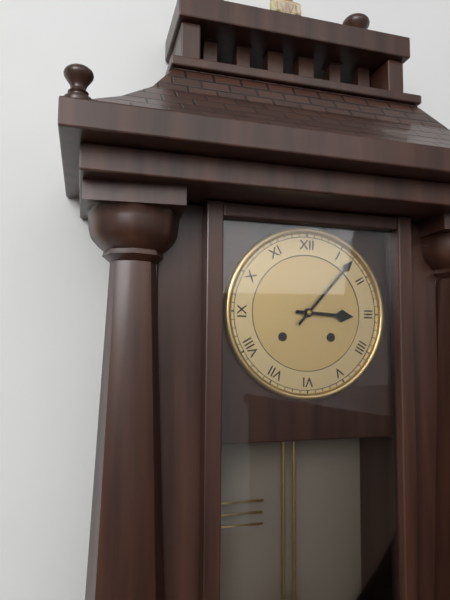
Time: {"hour": 3, "minute": 7}
